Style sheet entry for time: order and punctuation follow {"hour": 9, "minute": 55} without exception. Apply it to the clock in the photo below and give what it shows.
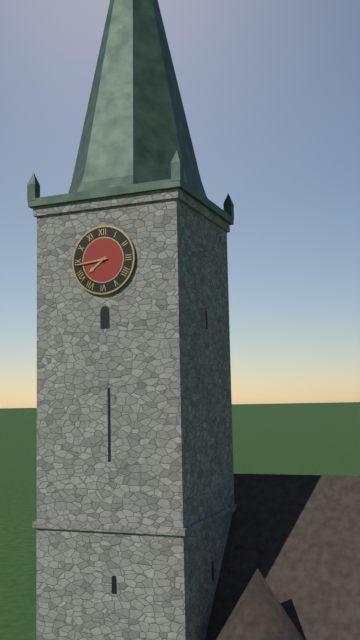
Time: {"hour": 7, "minute": 44}
